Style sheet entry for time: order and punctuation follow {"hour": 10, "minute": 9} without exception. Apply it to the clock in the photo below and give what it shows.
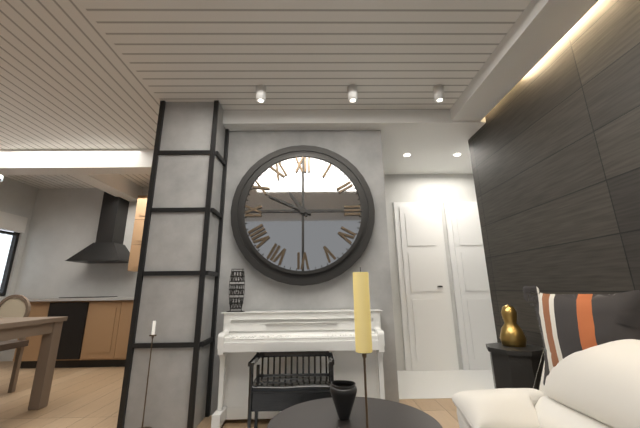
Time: {"hour": 10, "minute": 49}
